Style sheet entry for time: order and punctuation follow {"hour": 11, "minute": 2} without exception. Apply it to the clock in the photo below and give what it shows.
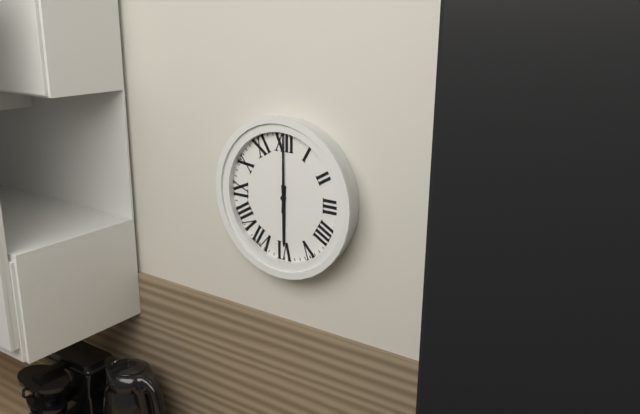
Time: {"hour": 6, "minute": 0}
